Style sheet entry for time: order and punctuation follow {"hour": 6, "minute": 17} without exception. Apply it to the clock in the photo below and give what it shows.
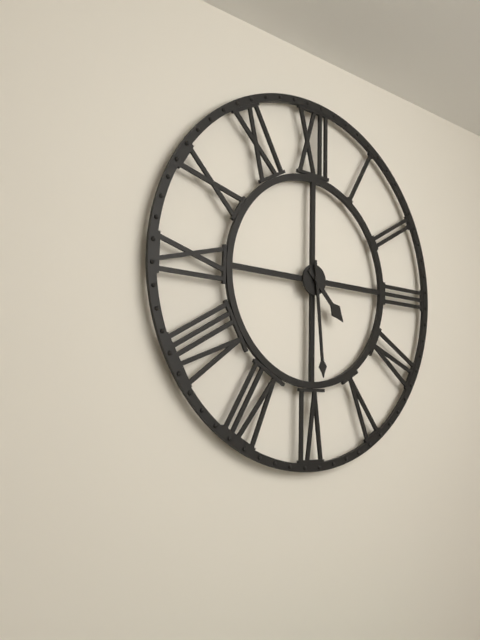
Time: {"hour": 4, "minute": 29}
